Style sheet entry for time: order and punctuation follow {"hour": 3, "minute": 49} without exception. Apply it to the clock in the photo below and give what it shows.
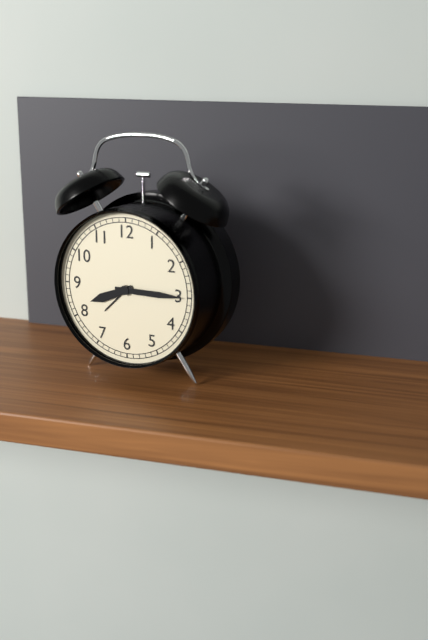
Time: {"hour": 8, "minute": 15}
